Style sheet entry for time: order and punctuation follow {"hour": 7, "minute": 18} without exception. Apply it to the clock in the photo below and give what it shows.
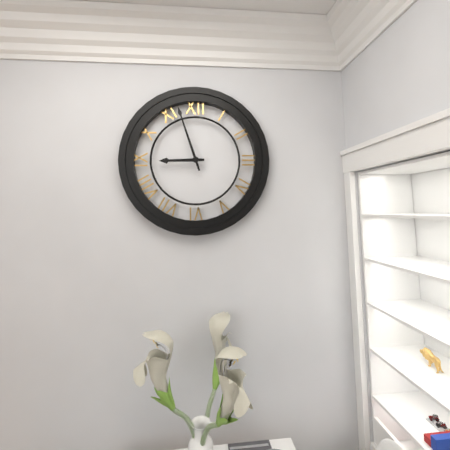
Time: {"hour": 8, "minute": 57}
